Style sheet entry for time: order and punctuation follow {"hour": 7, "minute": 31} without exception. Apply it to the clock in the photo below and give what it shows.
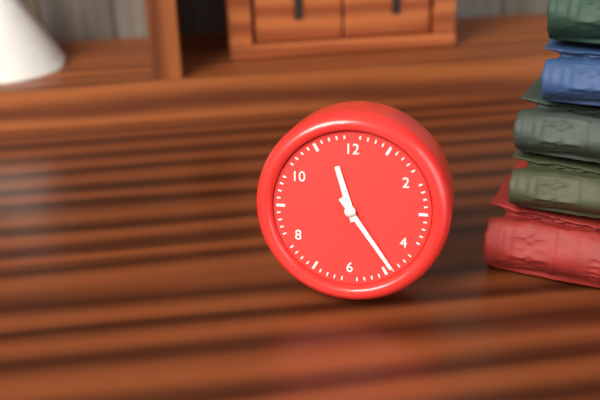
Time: {"hour": 11, "minute": 24}
